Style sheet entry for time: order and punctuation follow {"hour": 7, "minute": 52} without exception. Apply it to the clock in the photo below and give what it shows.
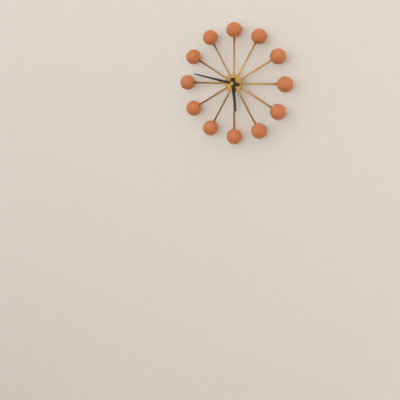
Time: {"hour": 5, "minute": 47}
